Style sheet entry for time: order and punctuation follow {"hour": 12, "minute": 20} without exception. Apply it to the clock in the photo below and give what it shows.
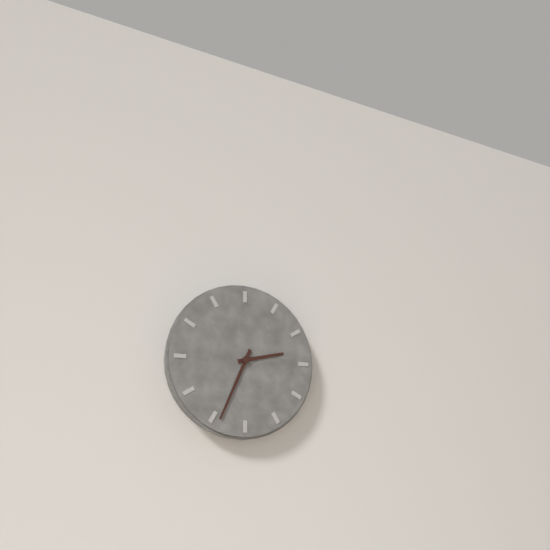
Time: {"hour": 2, "minute": 34}
